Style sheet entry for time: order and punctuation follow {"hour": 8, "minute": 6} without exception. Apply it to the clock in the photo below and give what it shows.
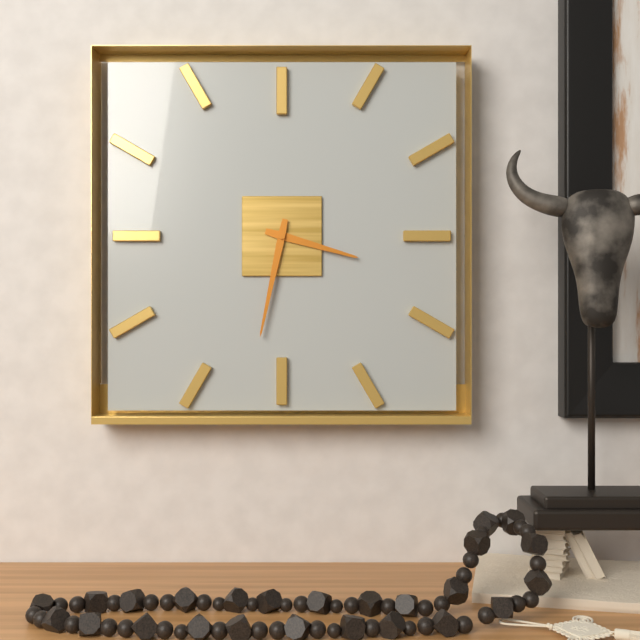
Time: {"hour": 3, "minute": 32}
